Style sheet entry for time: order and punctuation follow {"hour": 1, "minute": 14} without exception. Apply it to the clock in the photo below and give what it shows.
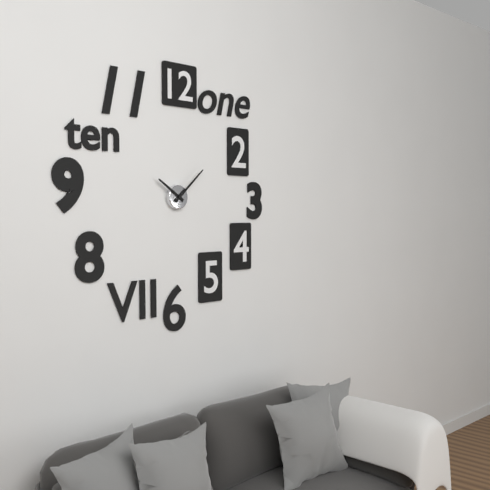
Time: {"hour": 10, "minute": 8}
